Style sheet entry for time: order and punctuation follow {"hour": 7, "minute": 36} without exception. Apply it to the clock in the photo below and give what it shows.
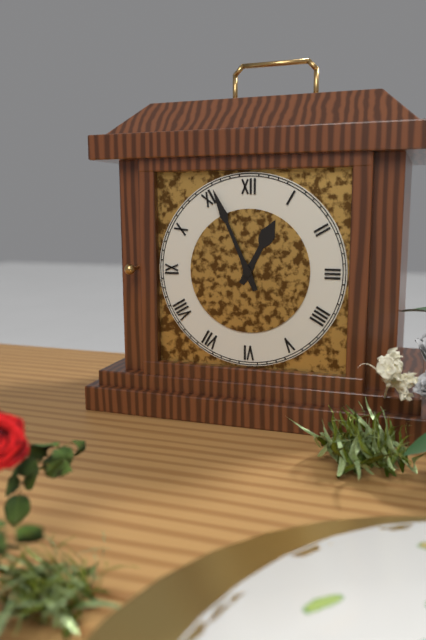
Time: {"hour": 12, "minute": 56}
